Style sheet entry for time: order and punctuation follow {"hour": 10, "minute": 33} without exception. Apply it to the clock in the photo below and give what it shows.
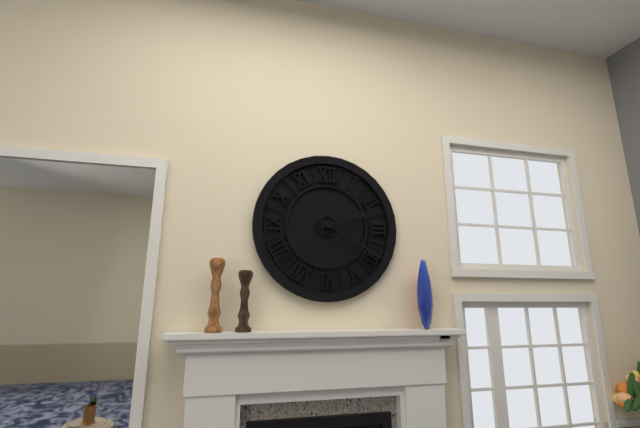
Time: {"hour": 2, "minute": 20}
